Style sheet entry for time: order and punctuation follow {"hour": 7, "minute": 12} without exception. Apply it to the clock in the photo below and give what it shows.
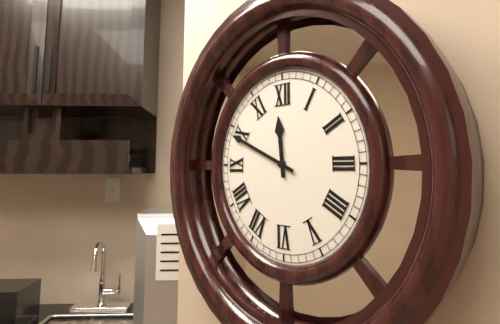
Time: {"hour": 11, "minute": 49}
